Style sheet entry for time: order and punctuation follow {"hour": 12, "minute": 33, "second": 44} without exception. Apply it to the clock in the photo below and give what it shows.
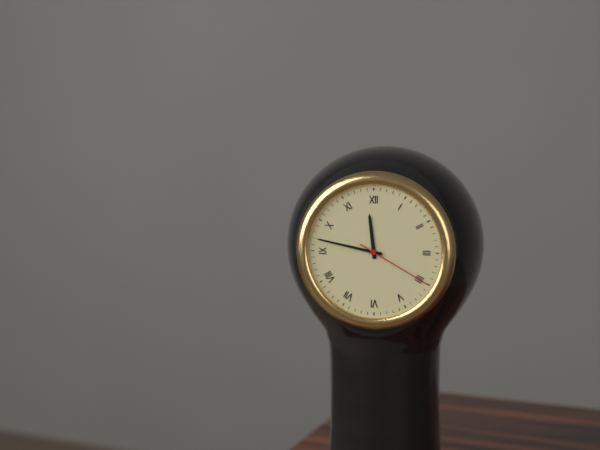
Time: {"hour": 11, "minute": 47, "second": 20}
